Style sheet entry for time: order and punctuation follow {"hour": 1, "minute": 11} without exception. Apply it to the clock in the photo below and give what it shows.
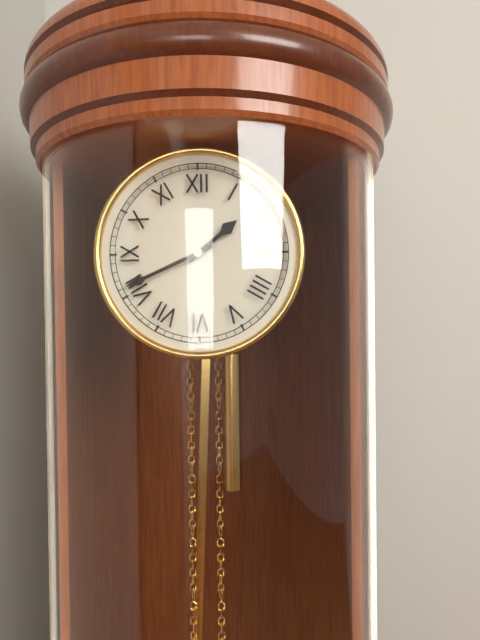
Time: {"hour": 1, "minute": 41}
